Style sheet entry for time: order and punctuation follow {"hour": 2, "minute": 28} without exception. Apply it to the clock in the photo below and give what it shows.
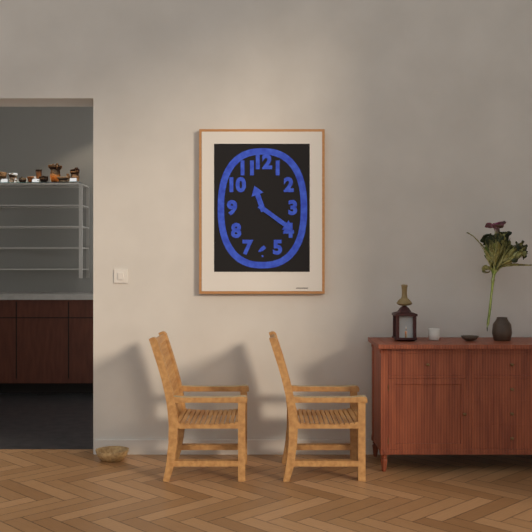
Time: {"hour": 11, "minute": 21}
